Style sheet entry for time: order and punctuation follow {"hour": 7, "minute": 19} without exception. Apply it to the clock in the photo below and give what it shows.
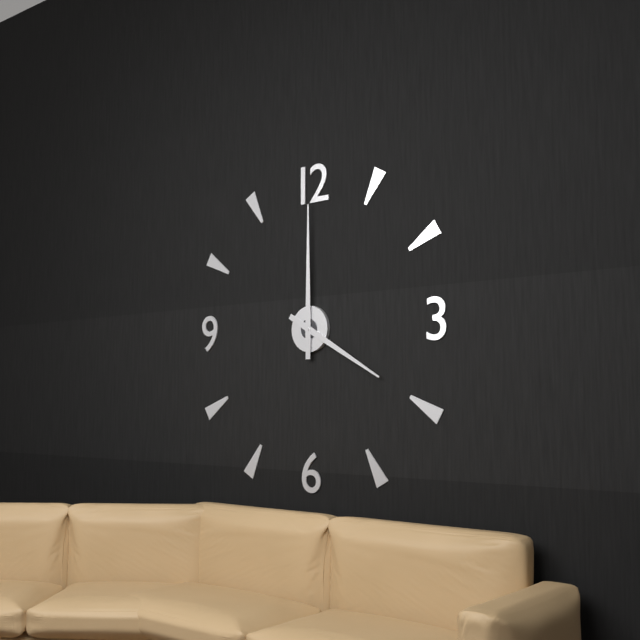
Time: {"hour": 4, "minute": 0}
